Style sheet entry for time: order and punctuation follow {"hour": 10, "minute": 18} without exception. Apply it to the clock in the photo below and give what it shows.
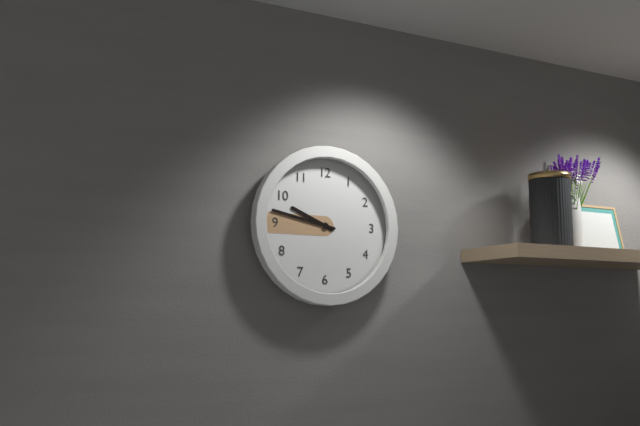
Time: {"hour": 9, "minute": 47}
